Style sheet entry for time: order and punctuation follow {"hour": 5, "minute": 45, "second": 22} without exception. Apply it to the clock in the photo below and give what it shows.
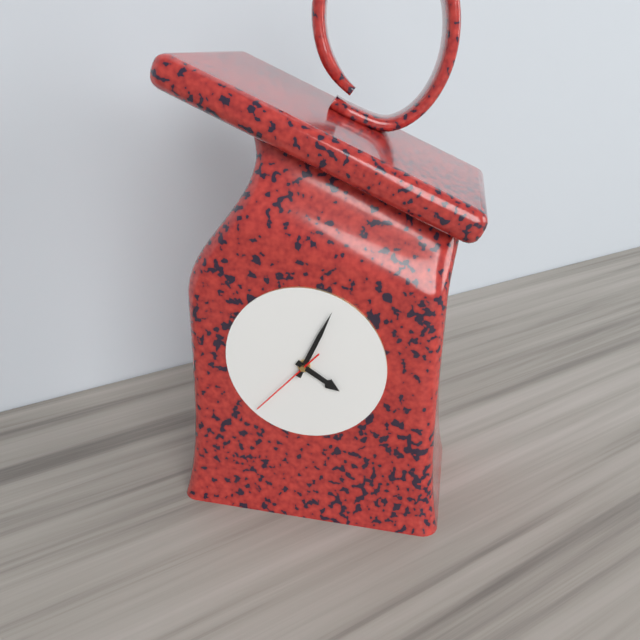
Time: {"hour": 4, "minute": 4, "second": 37}
